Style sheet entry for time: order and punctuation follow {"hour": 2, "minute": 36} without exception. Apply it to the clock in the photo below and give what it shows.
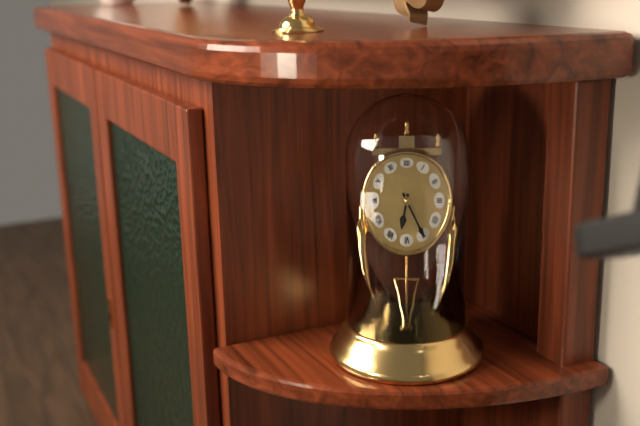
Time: {"hour": 6, "minute": 25}
